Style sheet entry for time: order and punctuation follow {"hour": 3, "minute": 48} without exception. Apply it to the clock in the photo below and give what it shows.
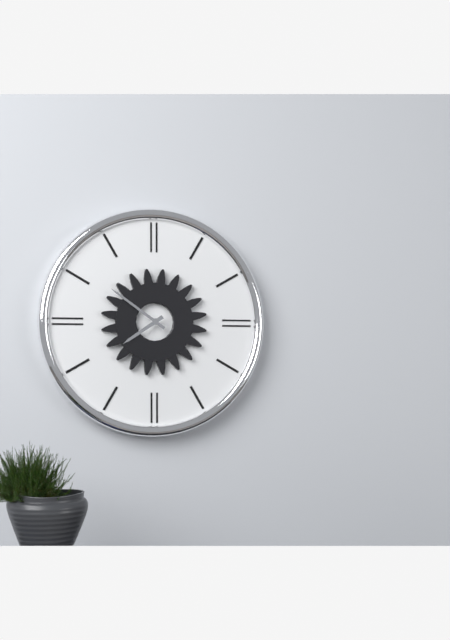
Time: {"hour": 7, "minute": 51}
